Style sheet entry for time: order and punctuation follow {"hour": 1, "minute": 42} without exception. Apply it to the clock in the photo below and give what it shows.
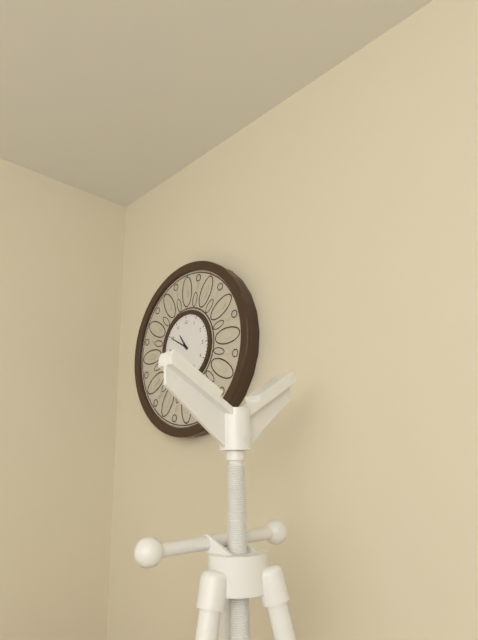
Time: {"hour": 10, "minute": 50}
